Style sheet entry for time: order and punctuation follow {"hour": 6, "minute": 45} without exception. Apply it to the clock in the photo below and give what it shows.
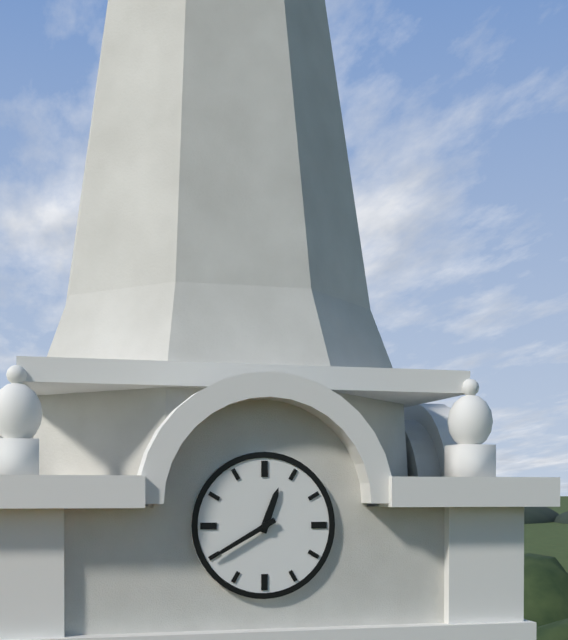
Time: {"hour": 12, "minute": 40}
